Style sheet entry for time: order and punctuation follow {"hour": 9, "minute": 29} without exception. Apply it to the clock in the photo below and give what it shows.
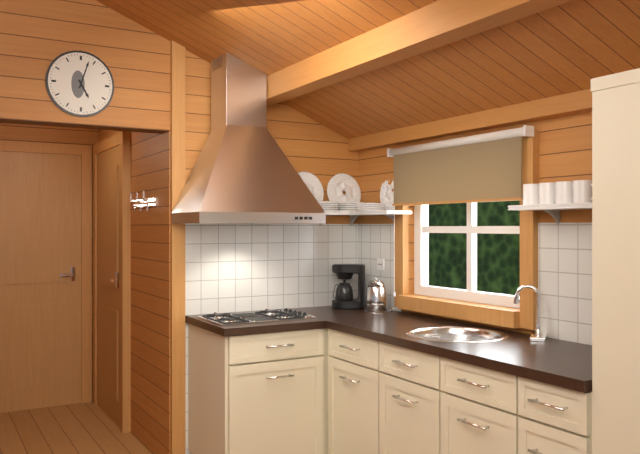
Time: {"hour": 5, "minute": 3}
